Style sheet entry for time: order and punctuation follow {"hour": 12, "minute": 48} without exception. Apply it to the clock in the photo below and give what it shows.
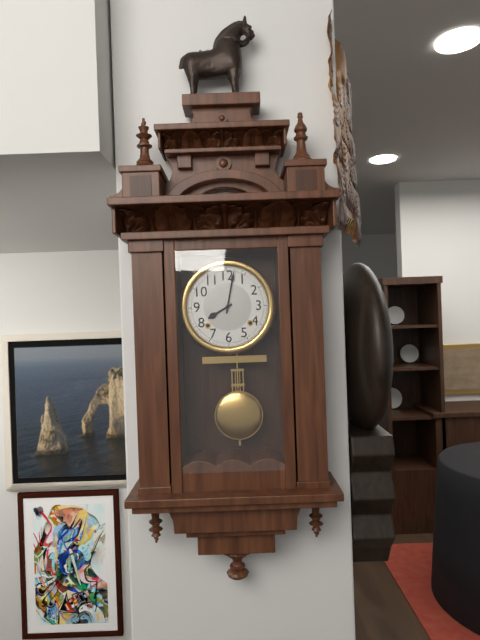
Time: {"hour": 8, "minute": 2}
